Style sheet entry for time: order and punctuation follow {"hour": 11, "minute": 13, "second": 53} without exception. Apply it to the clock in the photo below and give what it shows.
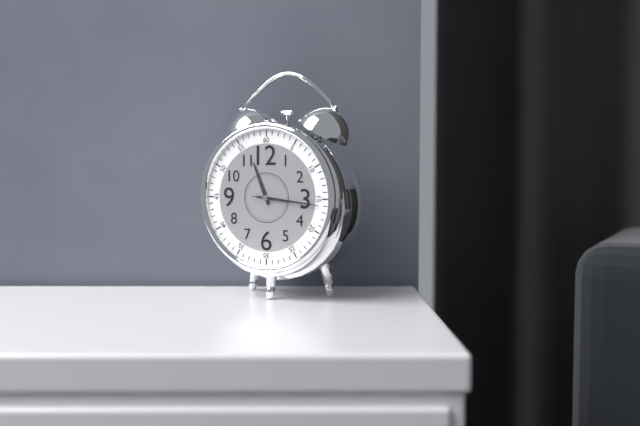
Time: {"hour": 11, "minute": 16, "second": 16}
